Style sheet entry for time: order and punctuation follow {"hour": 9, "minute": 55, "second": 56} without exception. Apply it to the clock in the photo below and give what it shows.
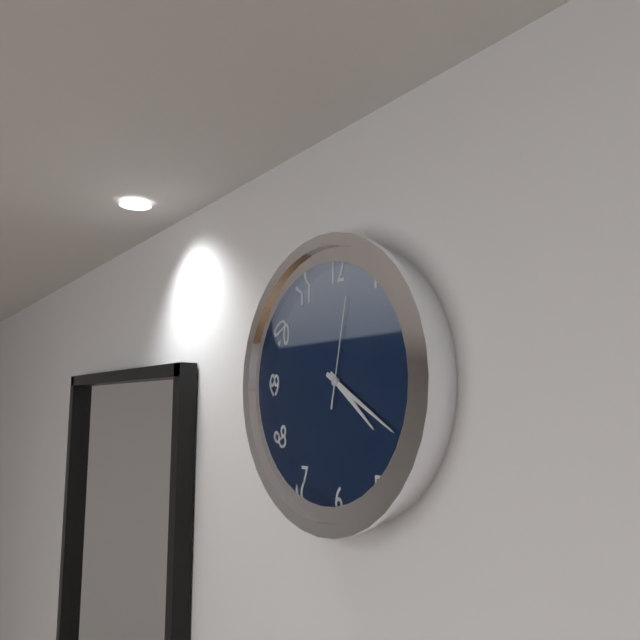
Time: {"hour": 4, "minute": 20, "second": 2}
